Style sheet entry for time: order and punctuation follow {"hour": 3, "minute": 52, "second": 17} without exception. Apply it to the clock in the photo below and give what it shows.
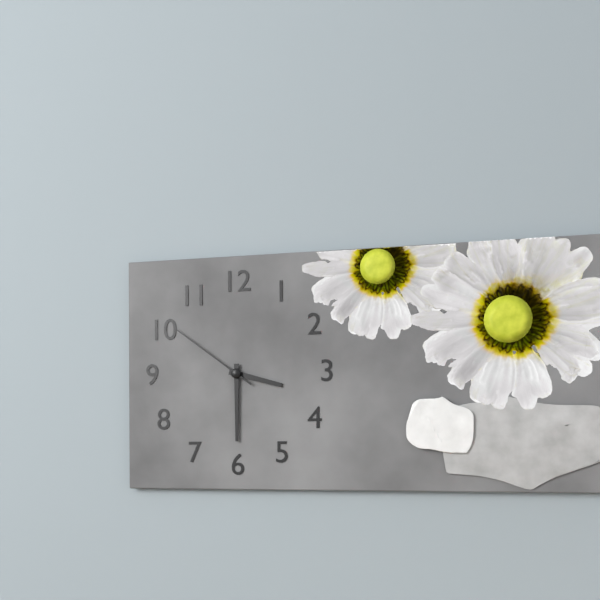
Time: {"hour": 3, "minute": 30, "second": 51}
